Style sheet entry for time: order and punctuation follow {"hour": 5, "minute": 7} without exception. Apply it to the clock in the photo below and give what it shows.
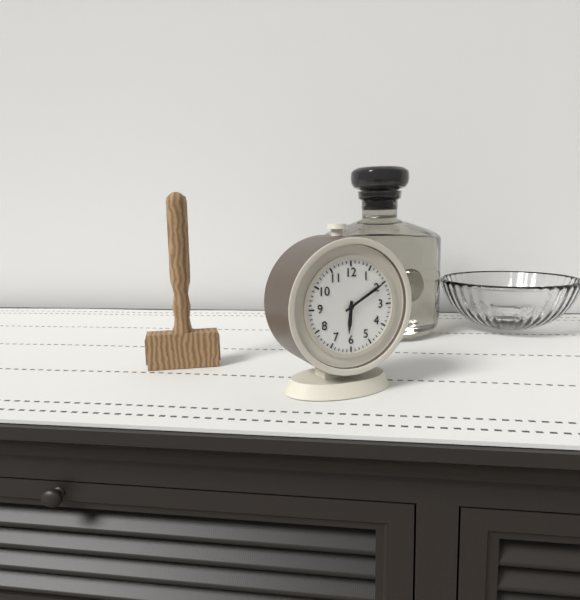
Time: {"hour": 6, "minute": 10}
